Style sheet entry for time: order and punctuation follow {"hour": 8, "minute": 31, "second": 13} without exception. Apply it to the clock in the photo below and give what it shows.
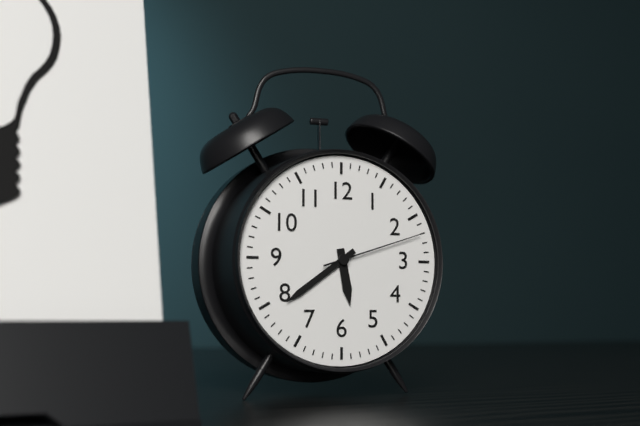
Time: {"hour": 5, "minute": 39, "second": 12}
